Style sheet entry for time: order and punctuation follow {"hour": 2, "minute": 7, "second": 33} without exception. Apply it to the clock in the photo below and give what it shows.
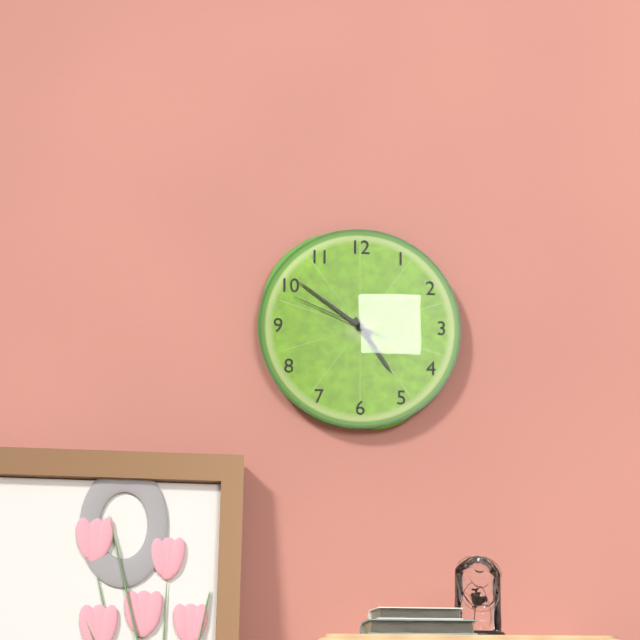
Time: {"hour": 4, "minute": 51, "second": 49}
